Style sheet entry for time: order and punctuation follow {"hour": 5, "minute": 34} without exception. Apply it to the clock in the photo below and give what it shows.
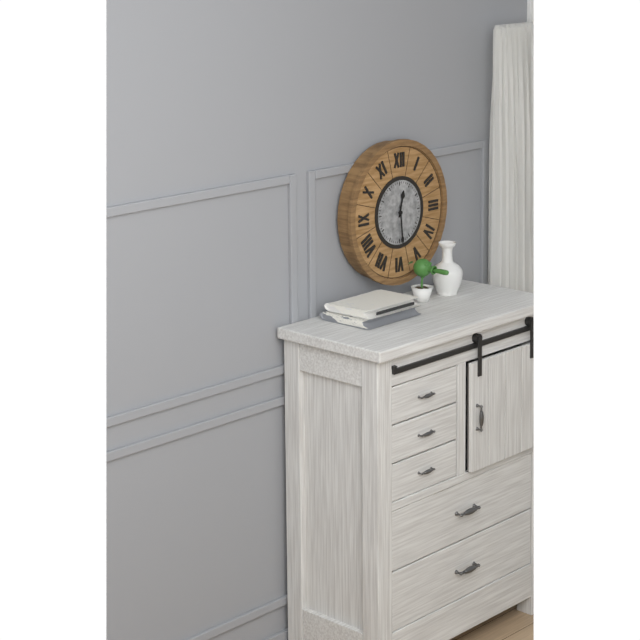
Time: {"hour": 12, "minute": 29}
